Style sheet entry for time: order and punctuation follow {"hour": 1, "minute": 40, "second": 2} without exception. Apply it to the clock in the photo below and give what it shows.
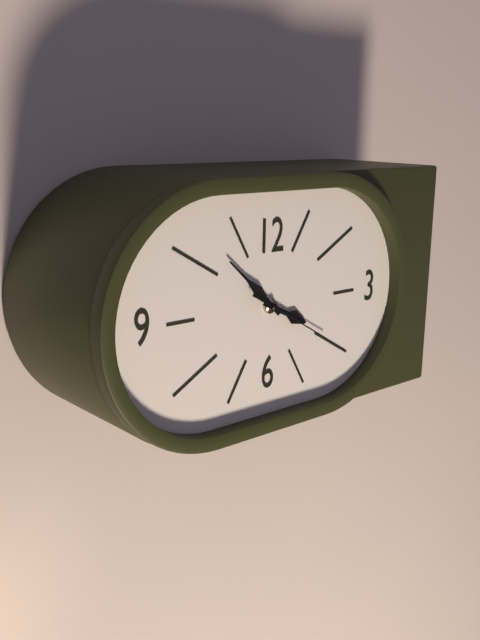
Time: {"hour": 3, "minute": 52, "second": 20}
